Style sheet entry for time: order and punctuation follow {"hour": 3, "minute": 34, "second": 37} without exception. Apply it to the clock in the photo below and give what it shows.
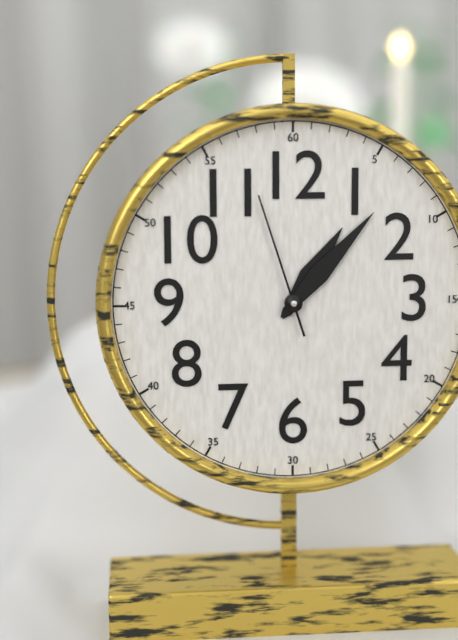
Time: {"hour": 1, "minute": 7, "second": 57}
